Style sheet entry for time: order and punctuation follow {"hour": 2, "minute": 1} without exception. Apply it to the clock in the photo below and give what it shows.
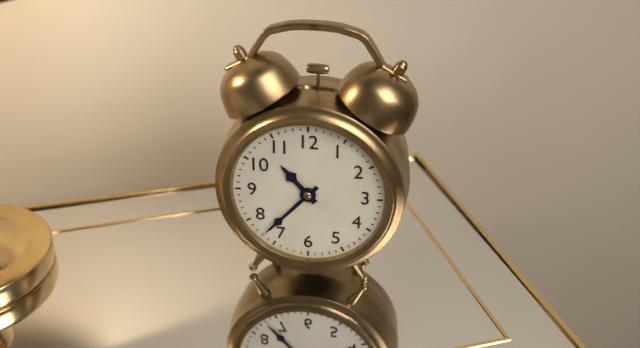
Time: {"hour": 10, "minute": 37}
